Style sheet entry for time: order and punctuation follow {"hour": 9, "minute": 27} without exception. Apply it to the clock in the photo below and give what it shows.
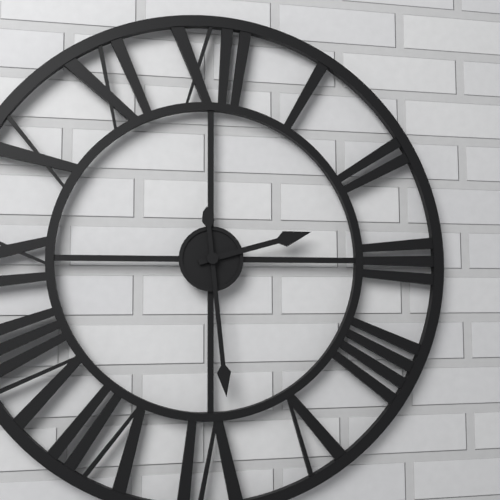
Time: {"hour": 2, "minute": 29}
